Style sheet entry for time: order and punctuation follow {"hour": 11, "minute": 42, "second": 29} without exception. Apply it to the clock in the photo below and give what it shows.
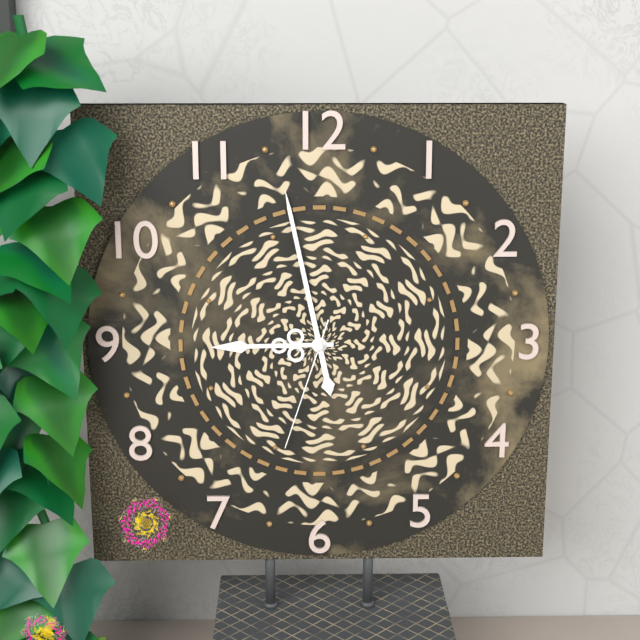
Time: {"hour": 8, "minute": 58, "second": 33}
